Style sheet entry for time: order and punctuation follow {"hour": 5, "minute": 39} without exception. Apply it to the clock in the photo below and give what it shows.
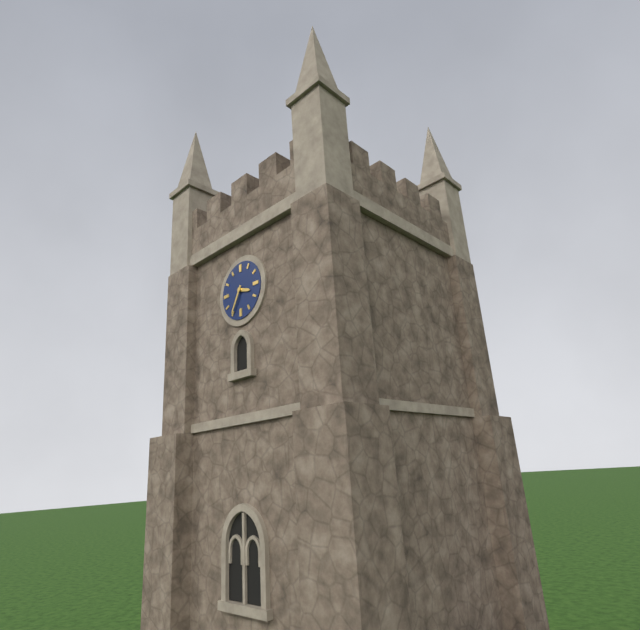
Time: {"hour": 3, "minute": 35}
